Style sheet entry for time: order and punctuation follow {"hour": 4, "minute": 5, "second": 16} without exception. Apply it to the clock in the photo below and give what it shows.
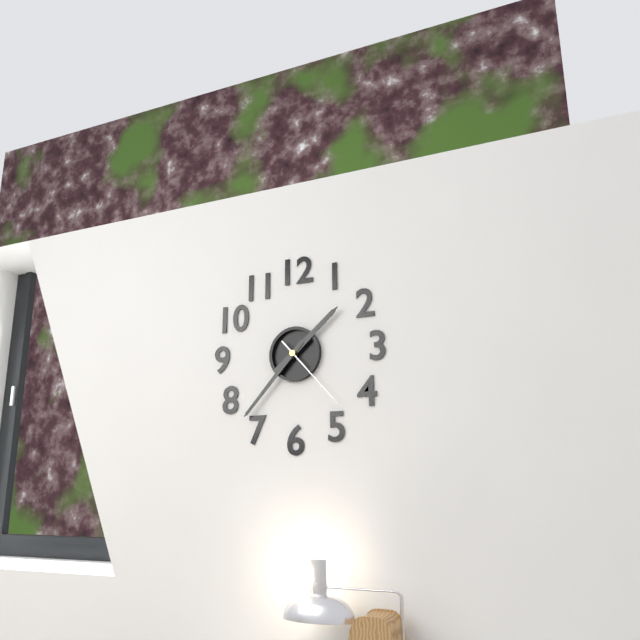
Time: {"hour": 1, "minute": 37, "second": 23}
